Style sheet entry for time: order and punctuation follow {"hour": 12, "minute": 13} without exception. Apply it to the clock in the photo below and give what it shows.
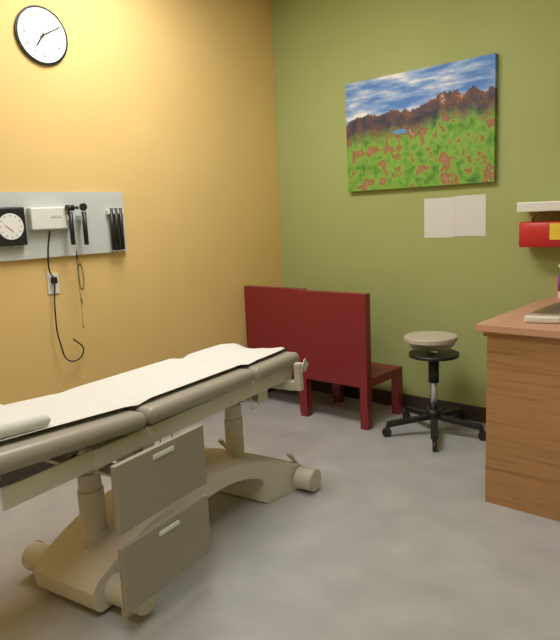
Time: {"hour": 7, "minute": 10}
